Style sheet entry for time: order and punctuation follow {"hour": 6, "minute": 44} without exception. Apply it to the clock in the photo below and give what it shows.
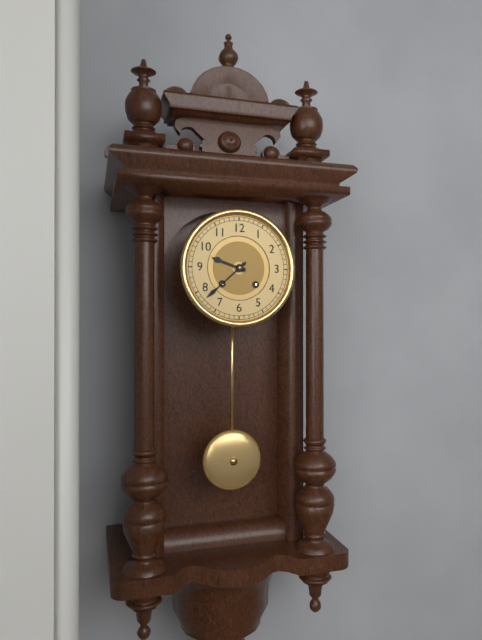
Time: {"hour": 9, "minute": 38}
